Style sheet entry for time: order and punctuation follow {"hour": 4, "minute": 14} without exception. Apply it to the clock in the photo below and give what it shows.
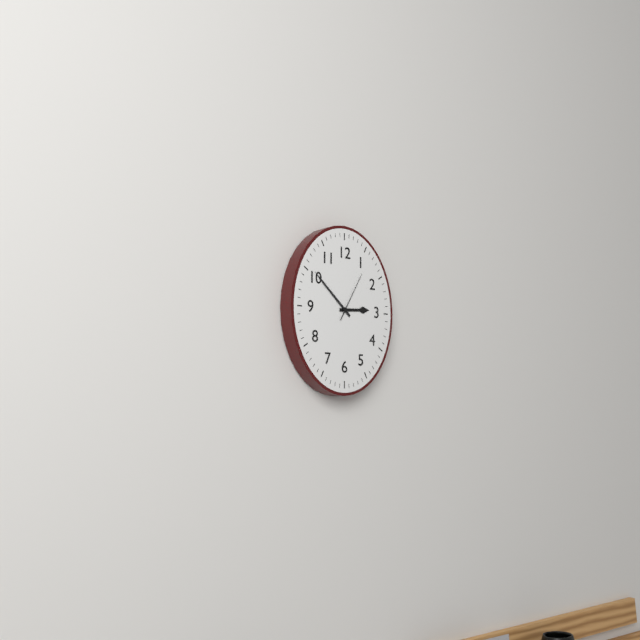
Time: {"hour": 2, "minute": 52}
